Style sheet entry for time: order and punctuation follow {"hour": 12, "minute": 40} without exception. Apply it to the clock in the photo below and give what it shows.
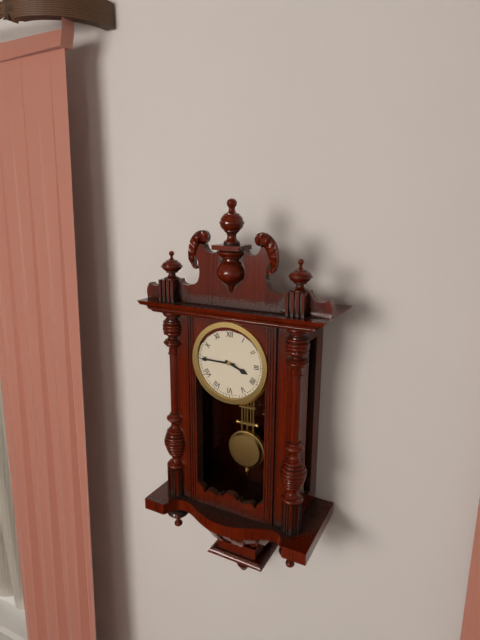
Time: {"hour": 3, "minute": 45}
